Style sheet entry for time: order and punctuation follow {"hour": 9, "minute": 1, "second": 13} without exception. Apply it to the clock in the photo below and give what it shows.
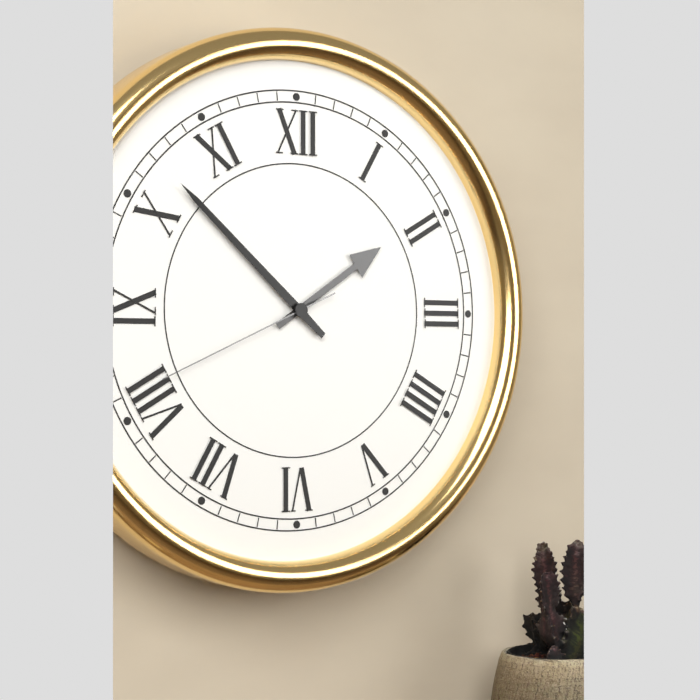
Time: {"hour": 1, "minute": 52, "second": 41}
